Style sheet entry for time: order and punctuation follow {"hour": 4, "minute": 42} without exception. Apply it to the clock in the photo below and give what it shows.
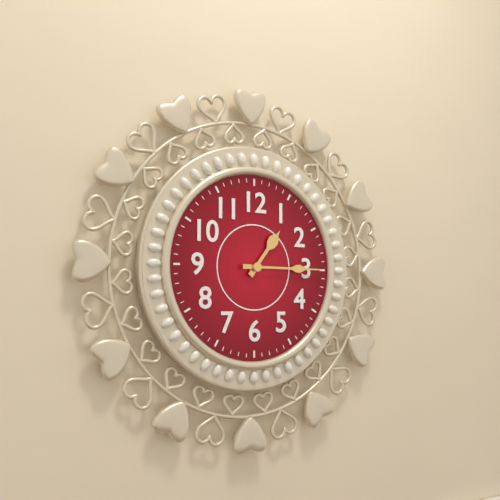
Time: {"hour": 1, "minute": 15}
